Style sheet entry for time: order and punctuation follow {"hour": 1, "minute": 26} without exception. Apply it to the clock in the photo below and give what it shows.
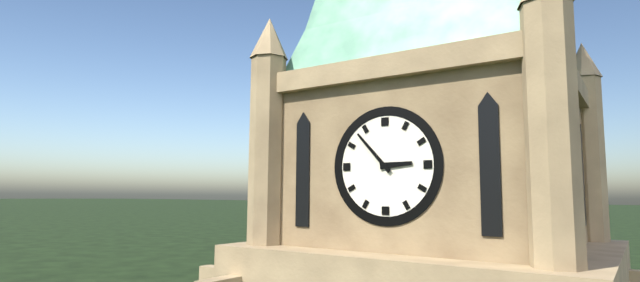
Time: {"hour": 2, "minute": 53}
